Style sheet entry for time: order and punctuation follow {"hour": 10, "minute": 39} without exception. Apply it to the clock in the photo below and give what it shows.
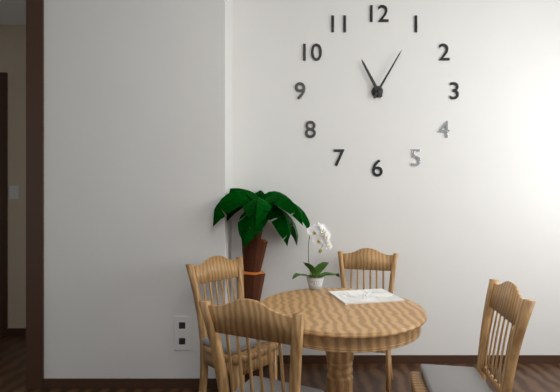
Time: {"hour": 11, "minute": 5}
